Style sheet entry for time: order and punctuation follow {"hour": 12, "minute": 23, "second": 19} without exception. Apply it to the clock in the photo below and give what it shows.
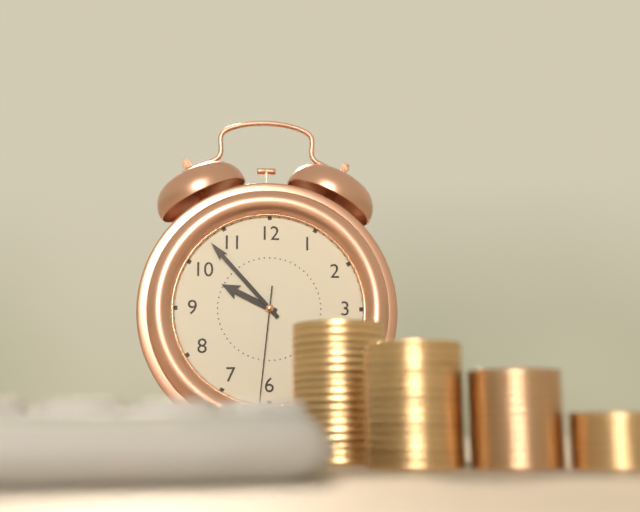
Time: {"hour": 9, "minute": 53, "second": 31}
